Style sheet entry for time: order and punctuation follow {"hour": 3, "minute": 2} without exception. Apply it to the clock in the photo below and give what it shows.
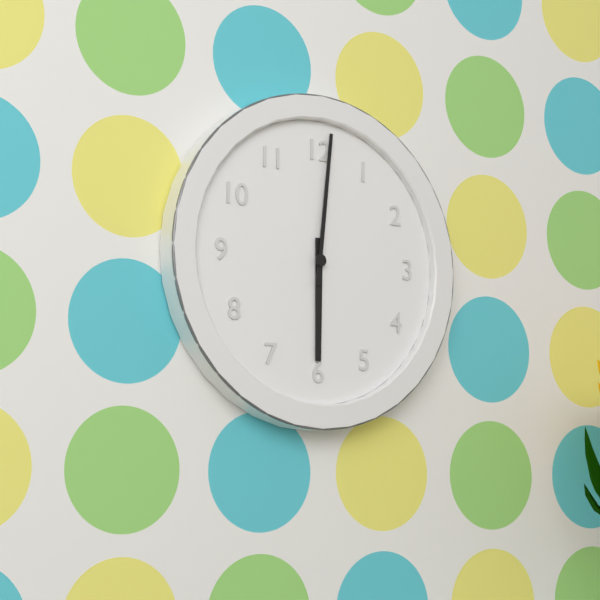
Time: {"hour": 6, "minute": 1}
